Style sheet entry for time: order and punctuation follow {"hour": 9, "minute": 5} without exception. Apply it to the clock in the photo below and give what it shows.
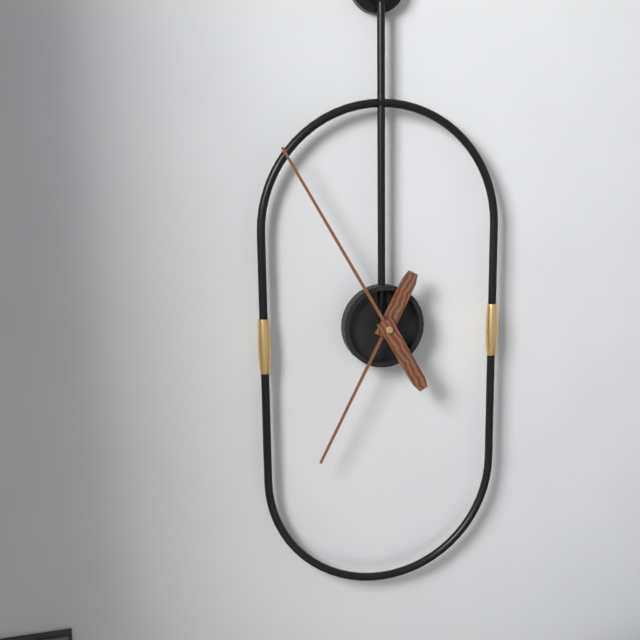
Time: {"hour": 6, "minute": 55}
